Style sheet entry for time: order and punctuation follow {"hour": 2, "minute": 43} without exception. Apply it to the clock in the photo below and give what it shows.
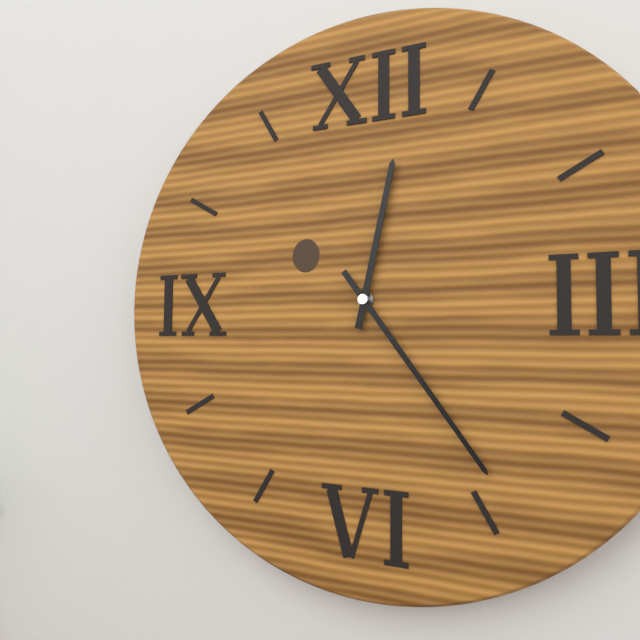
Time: {"hour": 12, "minute": 24}
